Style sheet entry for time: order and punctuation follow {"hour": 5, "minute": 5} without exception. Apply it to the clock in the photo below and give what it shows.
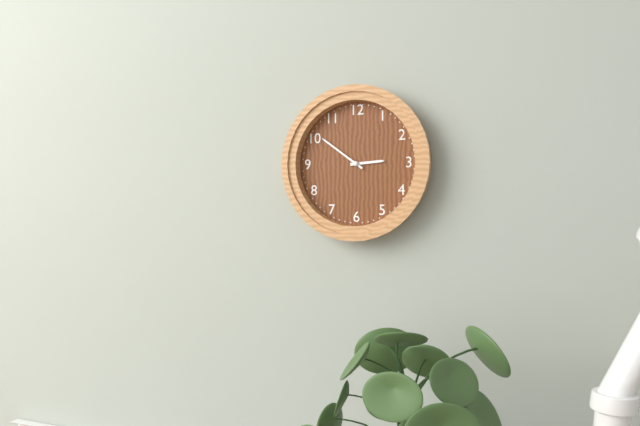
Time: {"hour": 2, "minute": 51}
